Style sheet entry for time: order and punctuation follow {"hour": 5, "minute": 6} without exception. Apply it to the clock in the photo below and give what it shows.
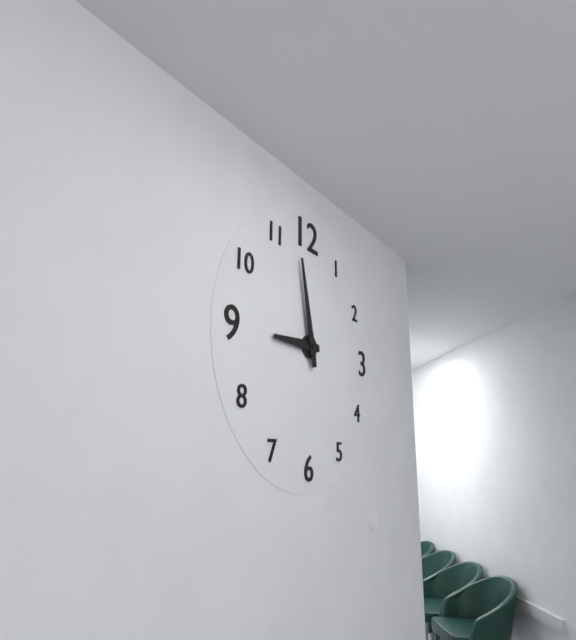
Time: {"hour": 8, "minute": 58}
